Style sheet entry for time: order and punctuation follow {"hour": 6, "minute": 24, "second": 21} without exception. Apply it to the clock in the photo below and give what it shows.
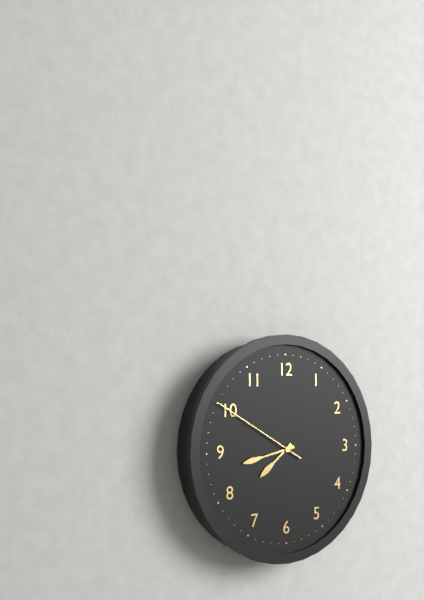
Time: {"hour": 7, "minute": 43, "second": 50}
